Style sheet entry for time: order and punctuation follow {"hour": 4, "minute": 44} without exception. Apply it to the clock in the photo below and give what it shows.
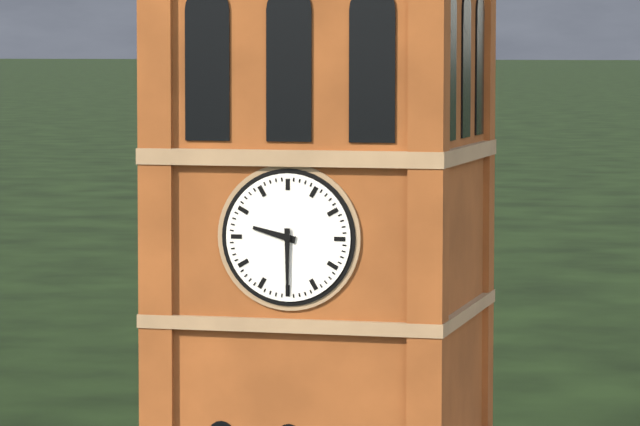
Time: {"hour": 9, "minute": 30}
